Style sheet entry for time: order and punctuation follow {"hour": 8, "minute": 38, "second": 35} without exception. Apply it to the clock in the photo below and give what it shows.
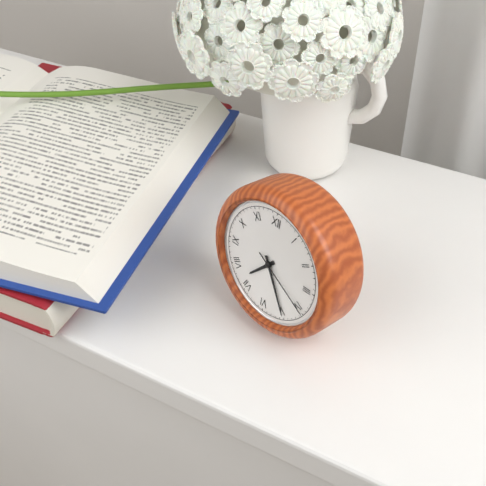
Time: {"hour": 7, "minute": 25, "second": 20}
